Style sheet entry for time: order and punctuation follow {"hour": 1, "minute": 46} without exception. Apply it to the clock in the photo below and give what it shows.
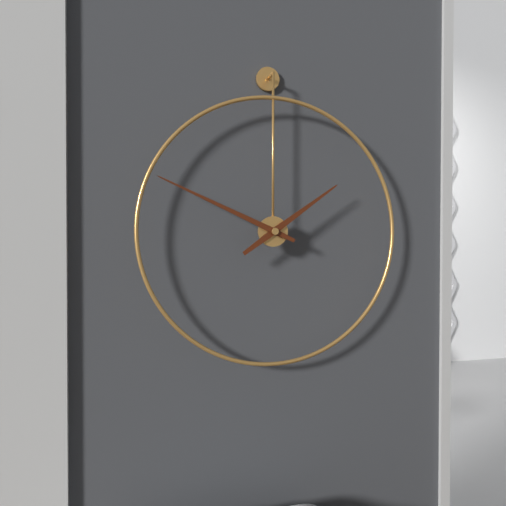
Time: {"hour": 1, "minute": 49}
